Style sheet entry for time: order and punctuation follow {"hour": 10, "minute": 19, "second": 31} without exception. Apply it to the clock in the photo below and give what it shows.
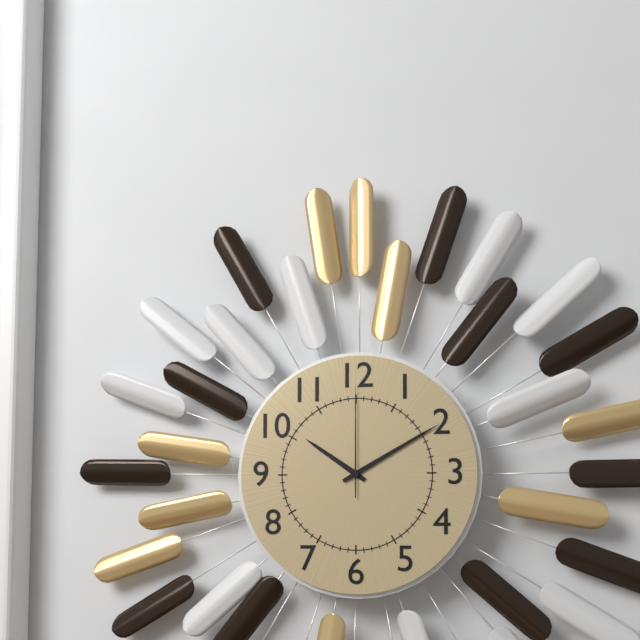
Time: {"hour": 10, "minute": 10, "second": 0}
